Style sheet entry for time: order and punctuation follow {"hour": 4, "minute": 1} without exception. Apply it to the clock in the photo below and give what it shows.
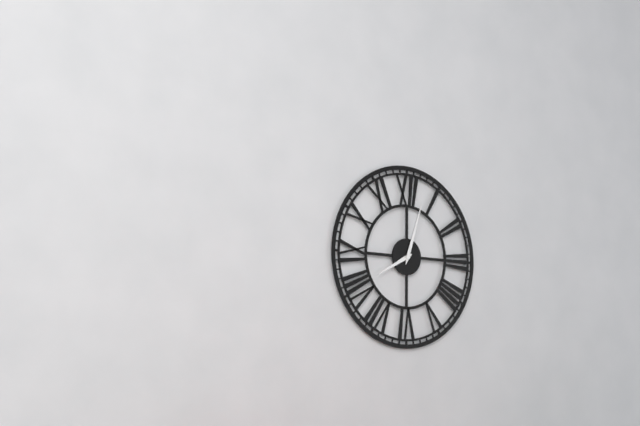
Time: {"hour": 8, "minute": 3}
